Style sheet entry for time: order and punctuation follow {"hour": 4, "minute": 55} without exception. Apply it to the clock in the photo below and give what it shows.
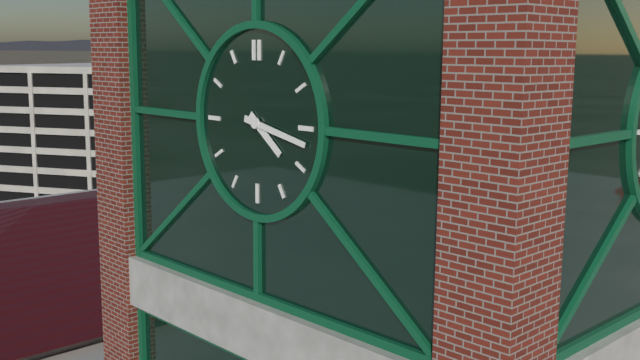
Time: {"hour": 4, "minute": 17}
